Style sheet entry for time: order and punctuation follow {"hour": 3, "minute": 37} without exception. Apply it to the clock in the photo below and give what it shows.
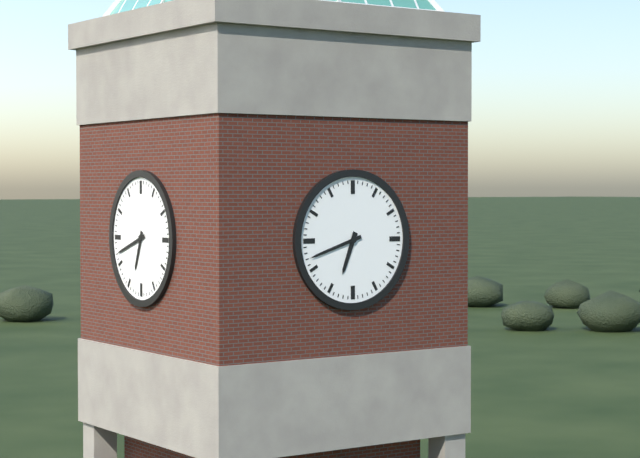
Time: {"hour": 6, "minute": 42}
